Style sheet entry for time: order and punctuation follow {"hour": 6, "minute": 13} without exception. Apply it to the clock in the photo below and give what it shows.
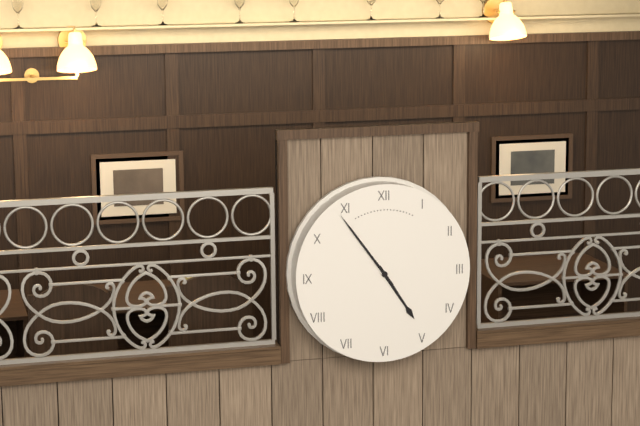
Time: {"hour": 4, "minute": 54}
